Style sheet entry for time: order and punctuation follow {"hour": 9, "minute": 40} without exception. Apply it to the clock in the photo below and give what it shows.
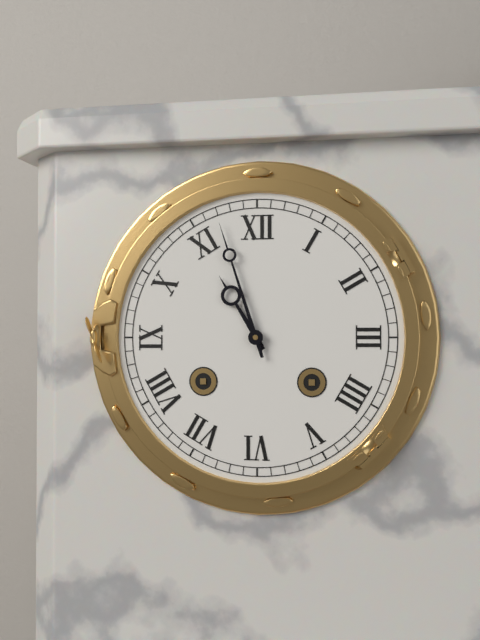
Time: {"hour": 10, "minute": 57}
